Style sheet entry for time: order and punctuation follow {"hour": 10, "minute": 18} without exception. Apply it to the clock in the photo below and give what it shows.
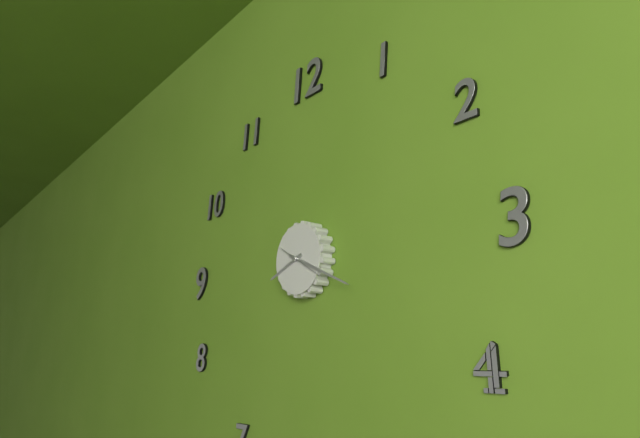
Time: {"hour": 8, "minute": 19}
